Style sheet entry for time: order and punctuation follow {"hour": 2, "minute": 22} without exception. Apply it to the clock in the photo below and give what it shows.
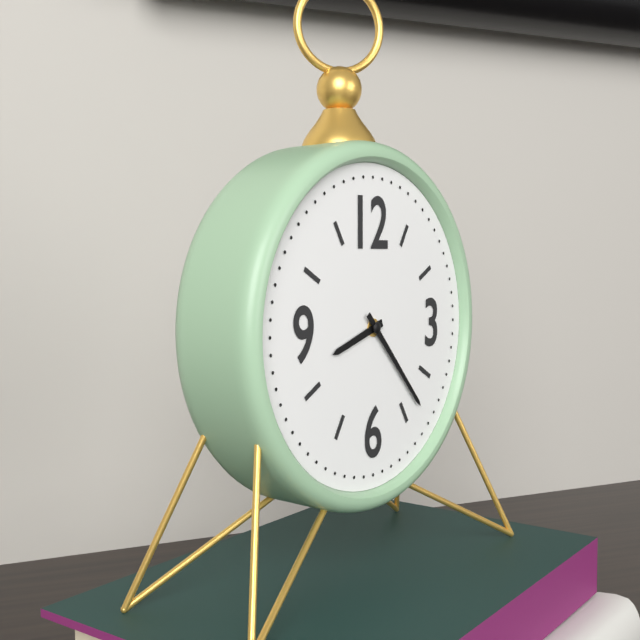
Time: {"hour": 8, "minute": 23}
